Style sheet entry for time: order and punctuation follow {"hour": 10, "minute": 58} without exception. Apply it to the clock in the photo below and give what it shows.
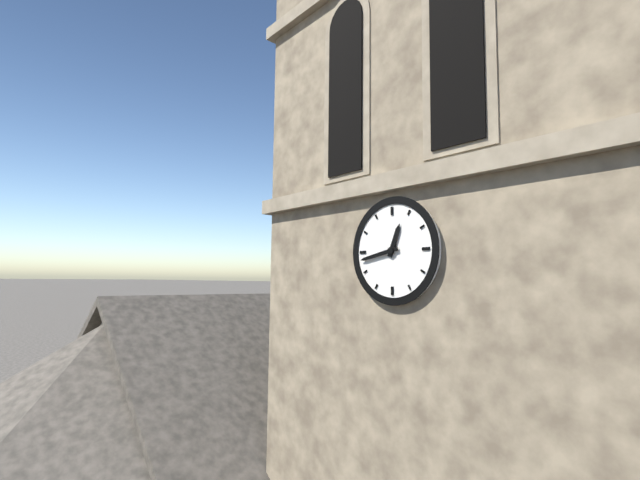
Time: {"hour": 12, "minute": 43}
